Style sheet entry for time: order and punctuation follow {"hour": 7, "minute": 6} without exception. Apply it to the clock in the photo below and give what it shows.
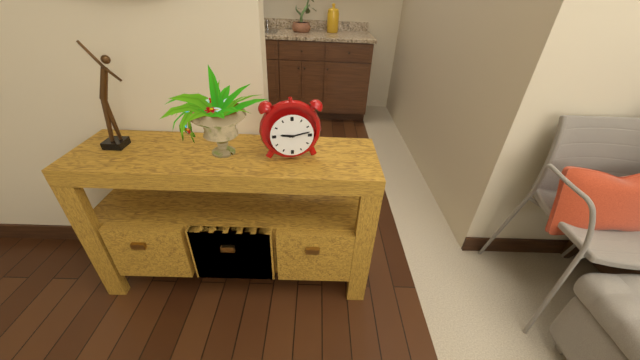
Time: {"hour": 9, "minute": 13}
